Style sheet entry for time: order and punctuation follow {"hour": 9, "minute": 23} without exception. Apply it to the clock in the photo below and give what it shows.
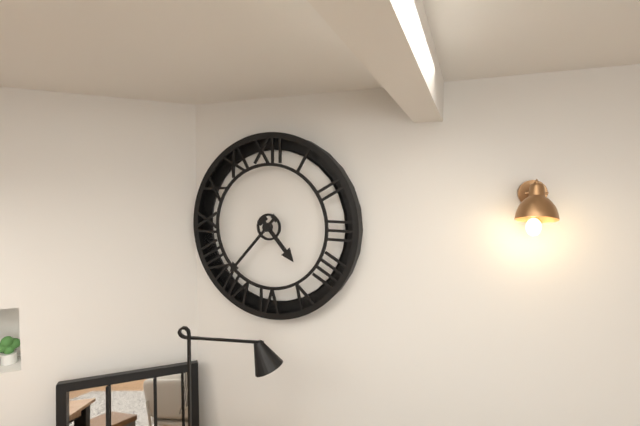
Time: {"hour": 4, "minute": 37}
